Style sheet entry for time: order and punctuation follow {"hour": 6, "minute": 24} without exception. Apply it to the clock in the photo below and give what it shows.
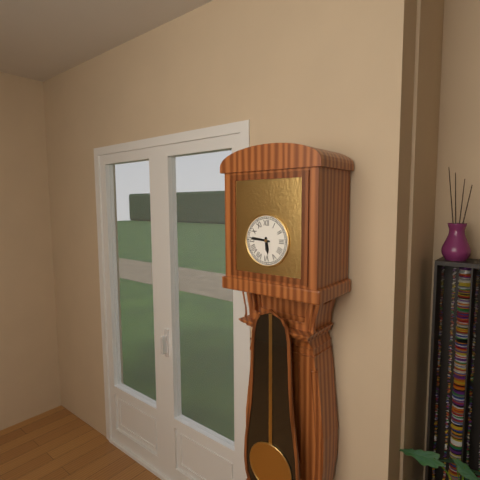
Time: {"hour": 5, "minute": 46}
